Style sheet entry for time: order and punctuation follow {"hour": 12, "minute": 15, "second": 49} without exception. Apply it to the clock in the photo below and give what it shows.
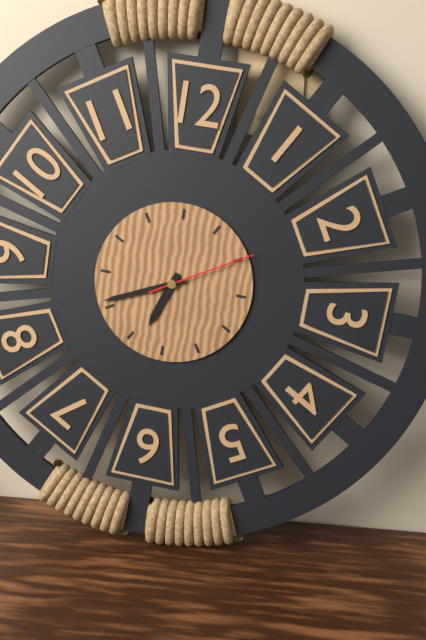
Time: {"hour": 6, "minute": 41, "second": 10}
